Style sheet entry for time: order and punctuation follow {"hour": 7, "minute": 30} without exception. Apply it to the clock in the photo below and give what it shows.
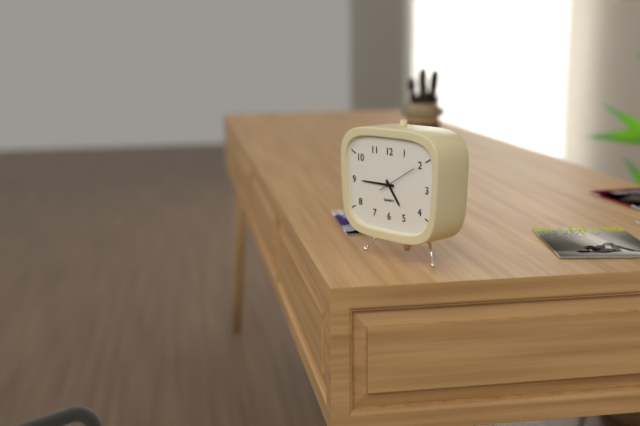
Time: {"hour": 4, "minute": 45}
